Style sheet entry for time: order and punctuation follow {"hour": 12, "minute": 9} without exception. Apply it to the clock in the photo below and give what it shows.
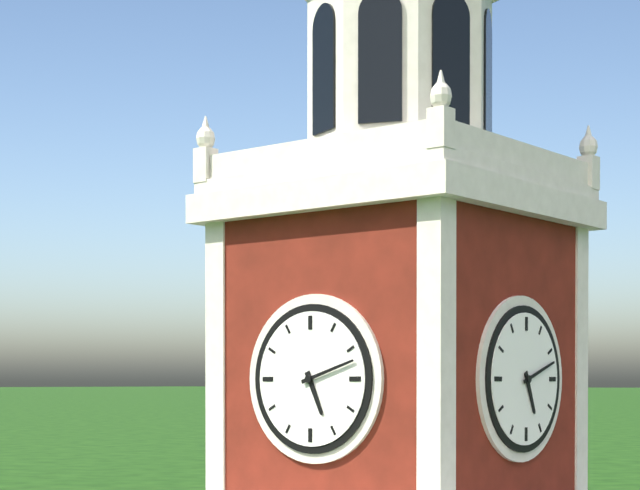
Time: {"hour": 5, "minute": 12}
